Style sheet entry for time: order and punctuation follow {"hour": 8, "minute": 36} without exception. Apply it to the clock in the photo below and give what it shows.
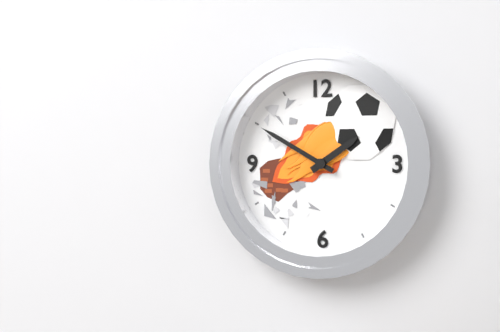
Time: {"hour": 1, "minute": 50}
